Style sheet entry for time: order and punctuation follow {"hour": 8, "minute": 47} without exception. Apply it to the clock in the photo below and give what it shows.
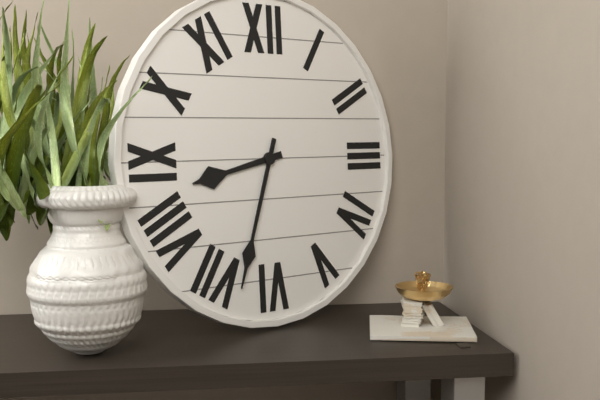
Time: {"hour": 8, "minute": 33}
